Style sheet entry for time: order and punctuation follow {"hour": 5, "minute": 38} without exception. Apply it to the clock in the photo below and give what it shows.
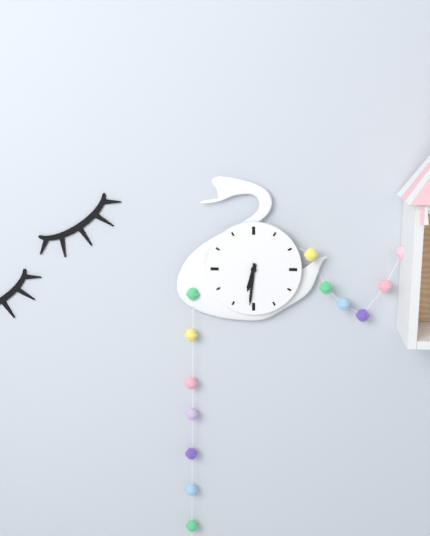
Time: {"hour": 6, "minute": 31}
